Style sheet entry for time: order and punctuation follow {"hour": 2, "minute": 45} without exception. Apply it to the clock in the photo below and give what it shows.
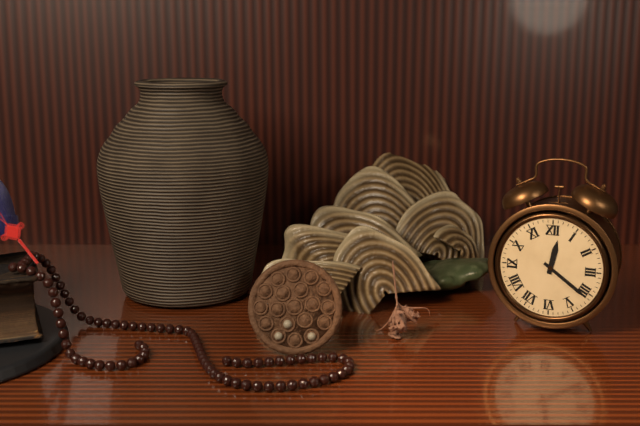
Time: {"hour": 12, "minute": 21}
